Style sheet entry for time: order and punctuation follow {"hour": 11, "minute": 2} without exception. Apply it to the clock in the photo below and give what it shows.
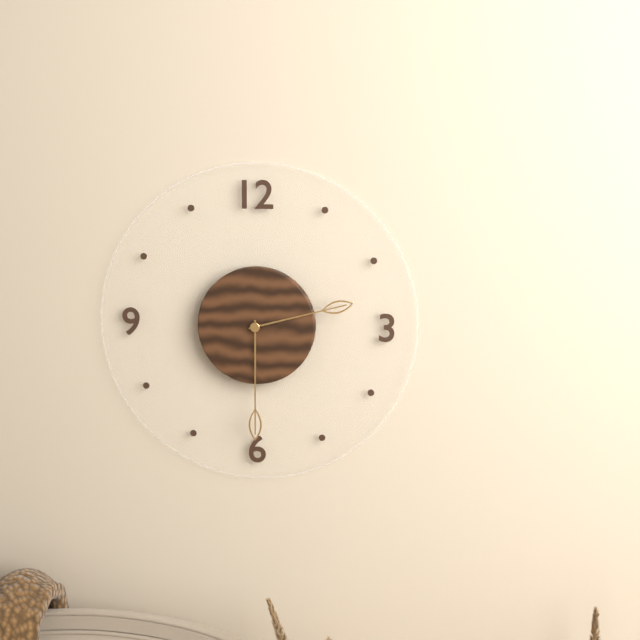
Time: {"hour": 2, "minute": 30}
